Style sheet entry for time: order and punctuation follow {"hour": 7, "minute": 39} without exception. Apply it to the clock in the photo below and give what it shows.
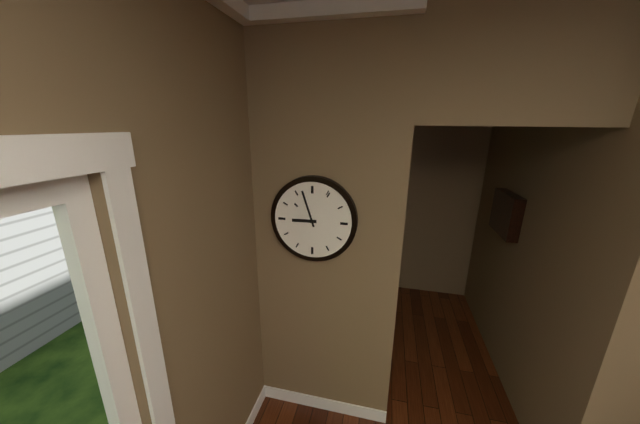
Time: {"hour": 8, "minute": 57}
